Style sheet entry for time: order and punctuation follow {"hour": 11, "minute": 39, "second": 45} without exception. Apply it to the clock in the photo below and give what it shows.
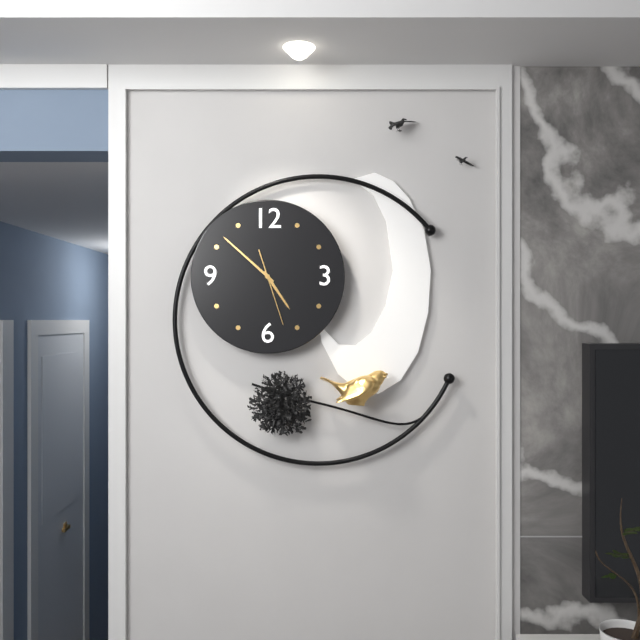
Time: {"hour": 4, "minute": 52, "second": 27}
